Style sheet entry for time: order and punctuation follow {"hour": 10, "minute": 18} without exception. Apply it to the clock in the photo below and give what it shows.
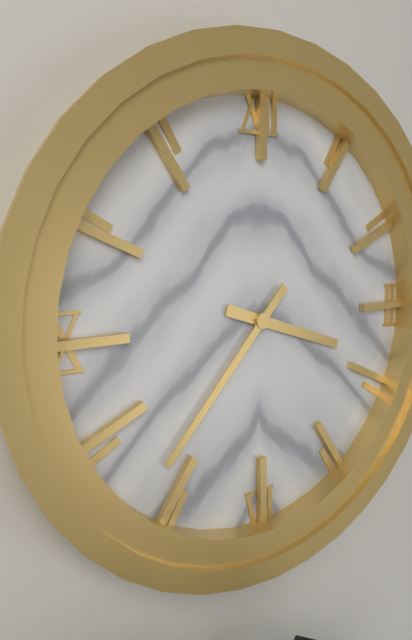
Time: {"hour": 3, "minute": 37}
